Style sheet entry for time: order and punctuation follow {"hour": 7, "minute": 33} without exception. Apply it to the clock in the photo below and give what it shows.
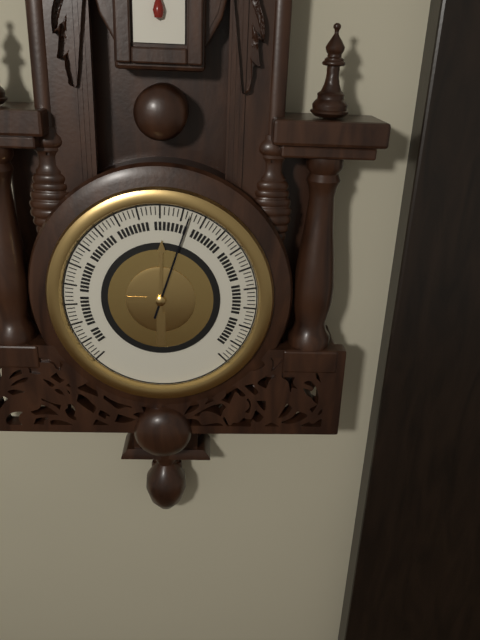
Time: {"hour": 12, "minute": 3}
